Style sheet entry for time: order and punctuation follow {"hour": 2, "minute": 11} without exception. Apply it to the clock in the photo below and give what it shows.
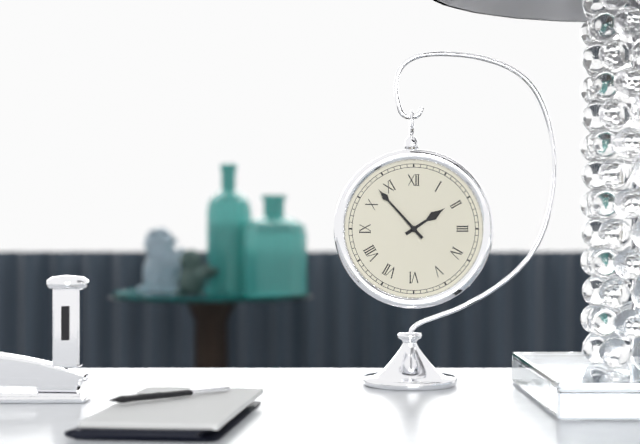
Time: {"hour": 1, "minute": 53}
